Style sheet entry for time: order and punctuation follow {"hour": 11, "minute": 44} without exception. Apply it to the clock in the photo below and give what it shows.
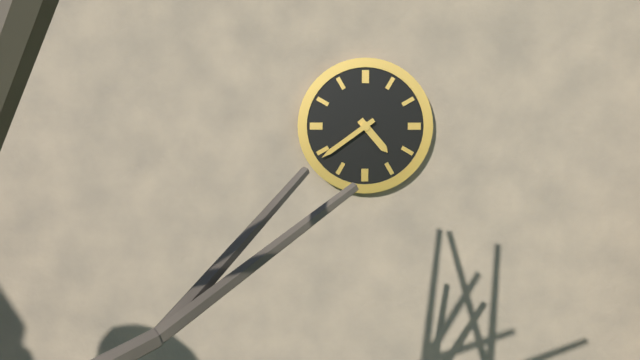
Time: {"hour": 4, "minute": 39}
